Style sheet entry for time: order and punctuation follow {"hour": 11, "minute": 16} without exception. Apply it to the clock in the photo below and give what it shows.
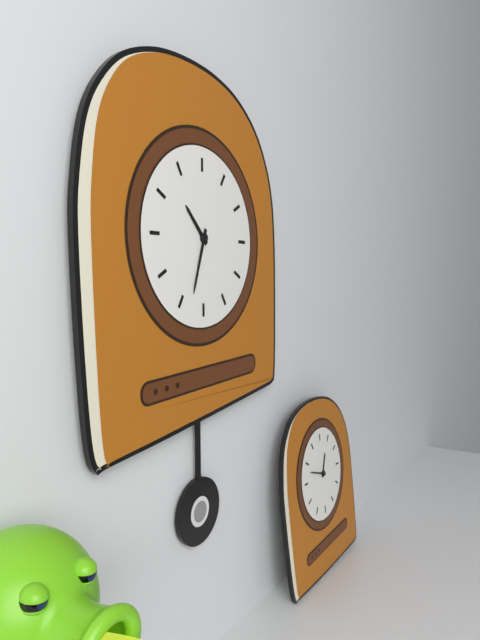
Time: {"hour": 10, "minute": 33}
